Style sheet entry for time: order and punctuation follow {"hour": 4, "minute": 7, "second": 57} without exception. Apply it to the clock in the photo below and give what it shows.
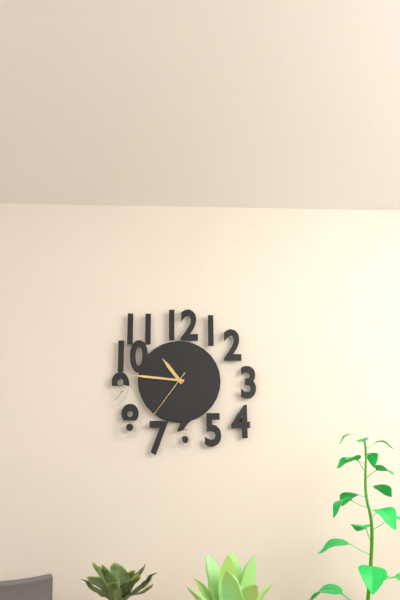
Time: {"hour": 10, "minute": 46, "second": 36}
